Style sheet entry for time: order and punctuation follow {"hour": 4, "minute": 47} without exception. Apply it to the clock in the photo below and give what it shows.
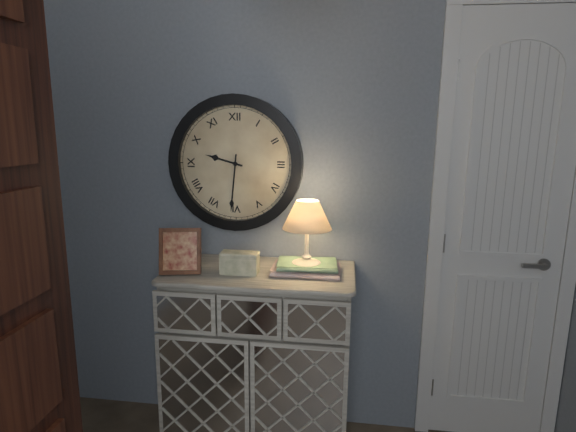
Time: {"hour": 9, "minute": 31}
